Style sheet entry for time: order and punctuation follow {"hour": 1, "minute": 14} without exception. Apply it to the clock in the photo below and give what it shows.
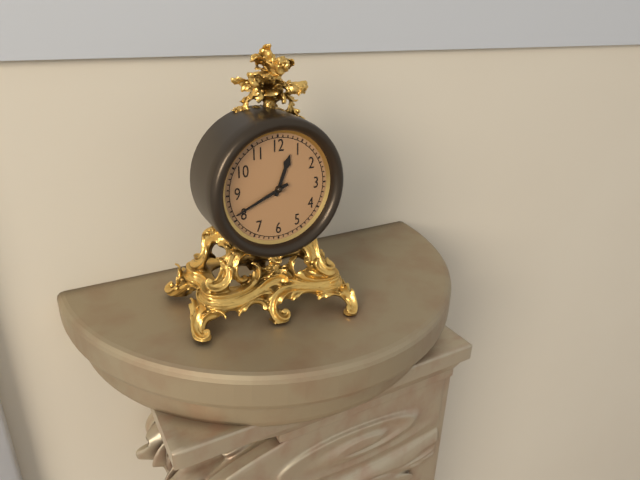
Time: {"hour": 12, "minute": 41}
